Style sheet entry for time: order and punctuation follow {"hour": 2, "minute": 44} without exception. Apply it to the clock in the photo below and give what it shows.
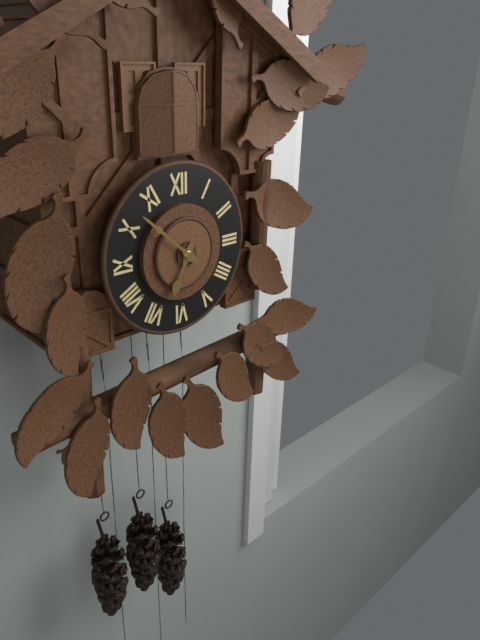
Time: {"hour": 6, "minute": 52}
